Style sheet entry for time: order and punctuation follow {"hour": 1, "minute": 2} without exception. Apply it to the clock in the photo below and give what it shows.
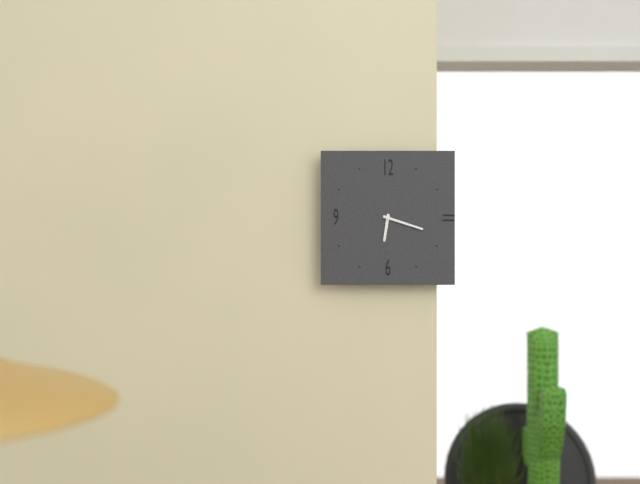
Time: {"hour": 6, "minute": 18}
